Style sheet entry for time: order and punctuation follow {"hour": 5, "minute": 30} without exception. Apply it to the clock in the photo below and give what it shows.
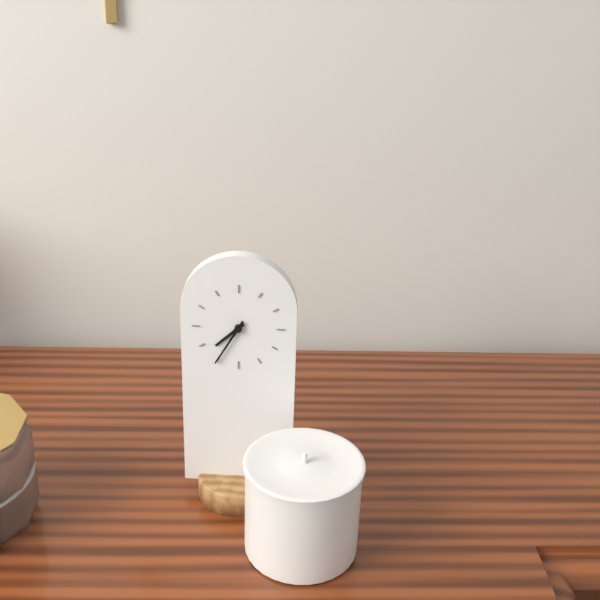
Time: {"hour": 7, "minute": 35}
